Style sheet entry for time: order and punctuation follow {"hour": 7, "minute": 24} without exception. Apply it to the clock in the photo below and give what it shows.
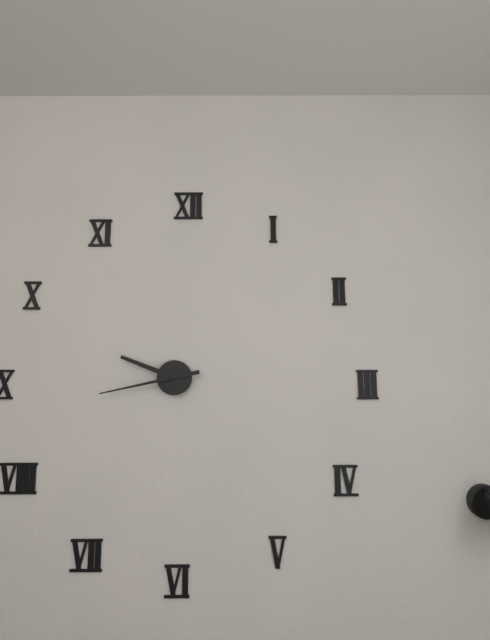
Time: {"hour": 9, "minute": 43}
